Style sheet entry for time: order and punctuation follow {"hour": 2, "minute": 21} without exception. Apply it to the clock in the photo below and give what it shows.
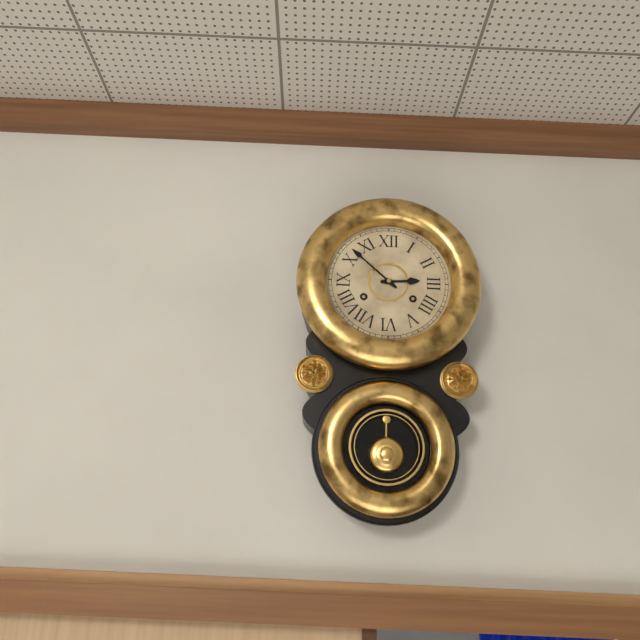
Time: {"hour": 2, "minute": 52}
